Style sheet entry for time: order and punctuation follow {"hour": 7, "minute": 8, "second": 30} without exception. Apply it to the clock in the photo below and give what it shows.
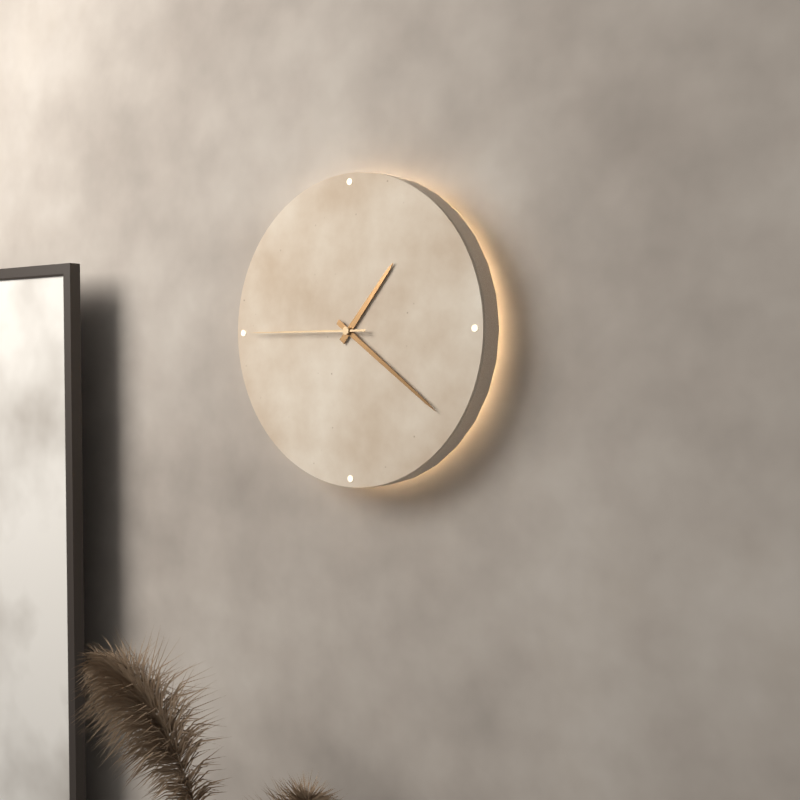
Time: {"hour": 1, "minute": 21, "second": 45}
